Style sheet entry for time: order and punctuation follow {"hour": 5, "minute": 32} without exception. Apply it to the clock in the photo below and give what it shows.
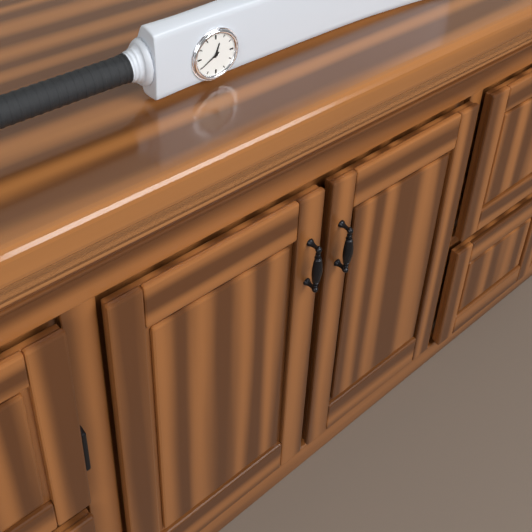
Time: {"hour": 12, "minute": 40}
